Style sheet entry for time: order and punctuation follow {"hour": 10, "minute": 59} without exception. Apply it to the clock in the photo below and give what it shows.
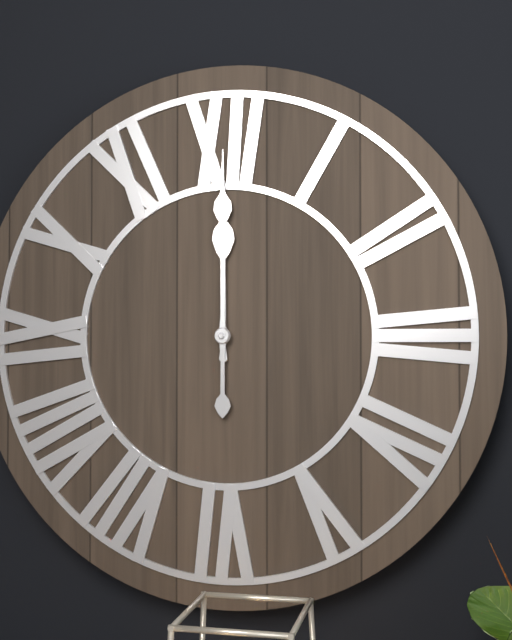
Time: {"hour": 12, "minute": 0}
